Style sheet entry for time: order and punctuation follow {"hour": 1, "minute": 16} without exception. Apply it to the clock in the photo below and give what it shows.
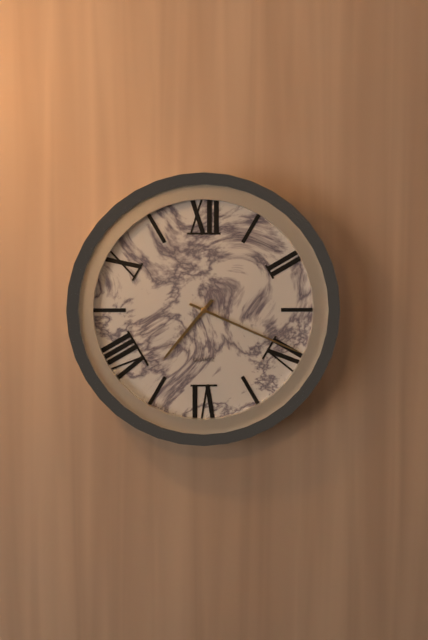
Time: {"hour": 7, "minute": 19}
